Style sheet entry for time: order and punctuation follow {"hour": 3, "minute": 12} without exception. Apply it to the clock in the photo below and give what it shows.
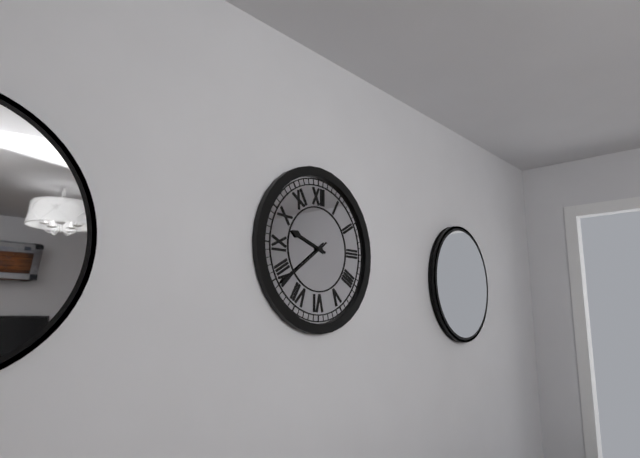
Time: {"hour": 9, "minute": 39}
